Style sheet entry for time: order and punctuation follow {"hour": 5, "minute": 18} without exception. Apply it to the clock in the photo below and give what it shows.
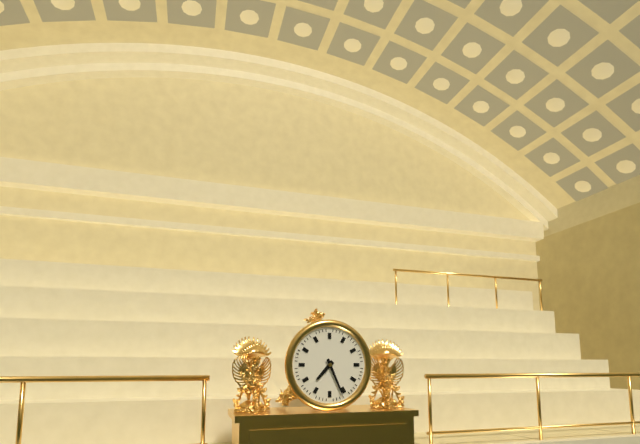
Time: {"hour": 7, "minute": 26}
